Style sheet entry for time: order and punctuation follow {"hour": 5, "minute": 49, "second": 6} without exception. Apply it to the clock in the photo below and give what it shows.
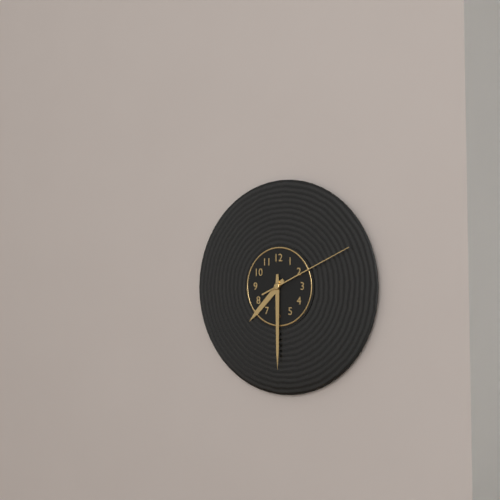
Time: {"hour": 7, "minute": 30, "second": 11}
